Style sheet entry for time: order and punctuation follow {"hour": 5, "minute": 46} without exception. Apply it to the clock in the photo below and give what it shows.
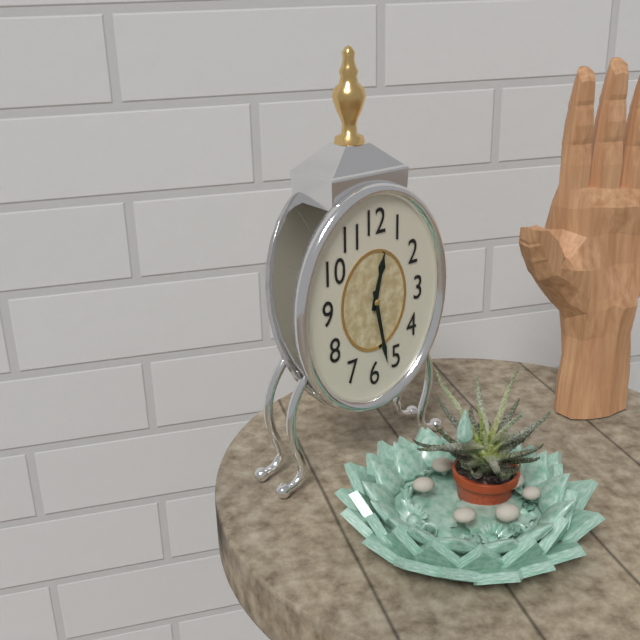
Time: {"hour": 12, "minute": 28}
